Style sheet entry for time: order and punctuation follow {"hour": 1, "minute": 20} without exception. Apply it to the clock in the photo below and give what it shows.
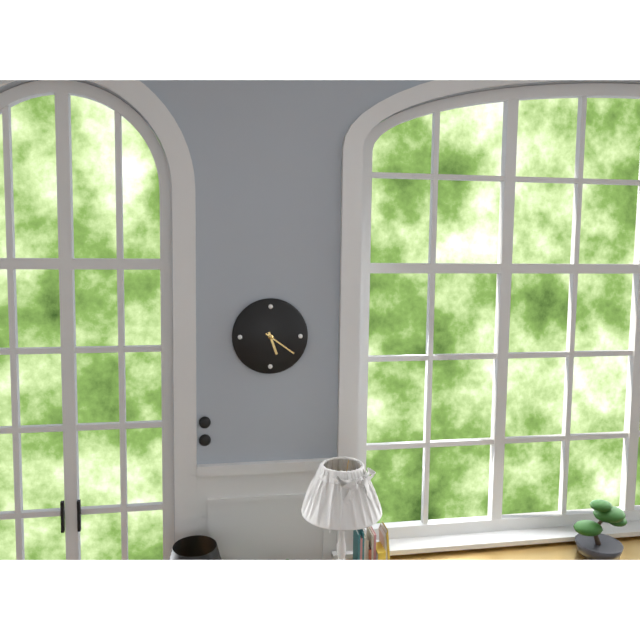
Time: {"hour": 5, "minute": 21}
